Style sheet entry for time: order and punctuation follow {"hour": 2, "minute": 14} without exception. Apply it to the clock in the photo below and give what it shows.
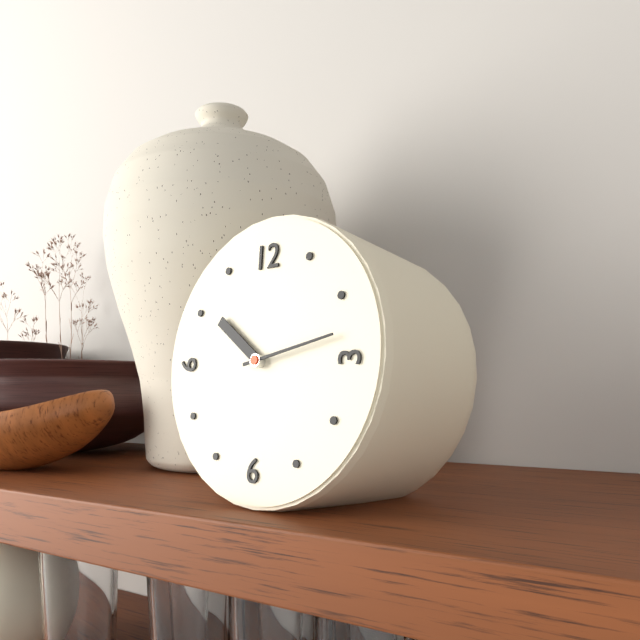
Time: {"hour": 10, "minute": 13}
